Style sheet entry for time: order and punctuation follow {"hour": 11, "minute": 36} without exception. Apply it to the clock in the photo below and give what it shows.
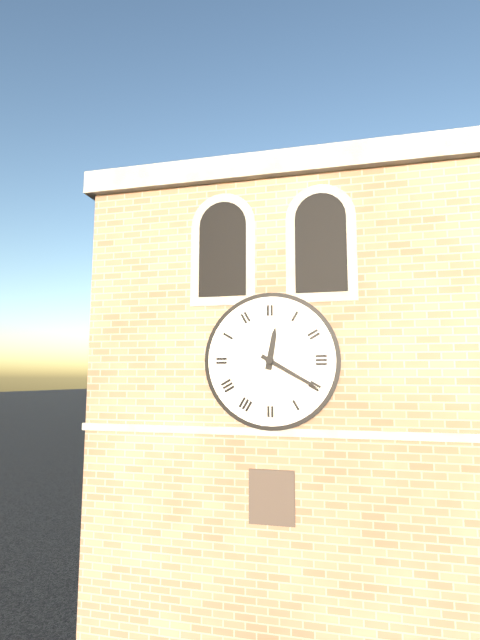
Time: {"hour": 12, "minute": 20}
